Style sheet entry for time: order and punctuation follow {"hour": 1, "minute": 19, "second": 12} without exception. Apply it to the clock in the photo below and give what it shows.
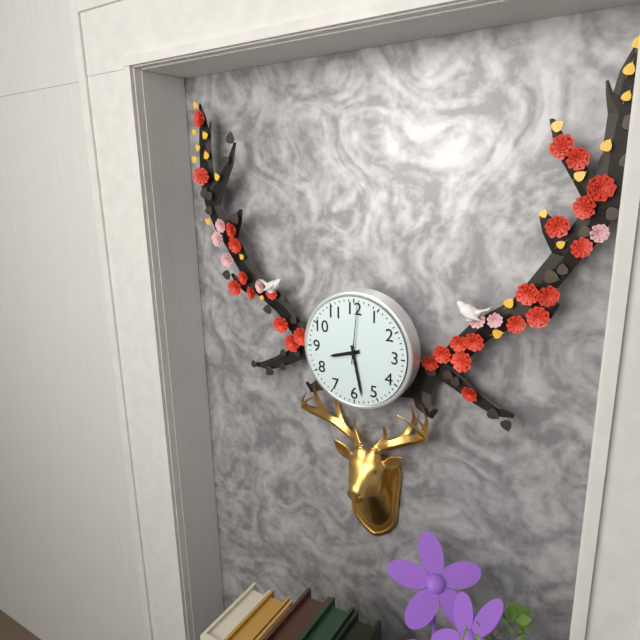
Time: {"hour": 8, "minute": 28, "second": 1}
